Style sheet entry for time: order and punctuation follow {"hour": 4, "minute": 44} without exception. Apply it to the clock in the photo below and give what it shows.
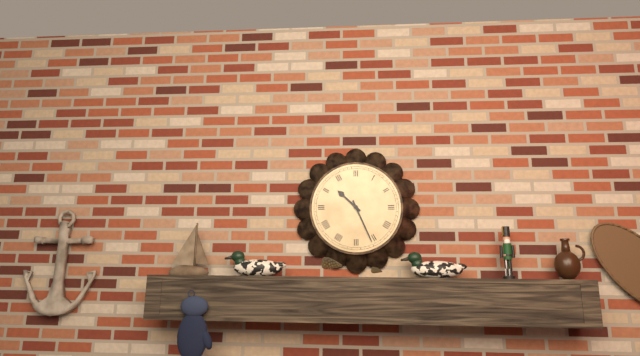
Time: {"hour": 10, "minute": 26}
